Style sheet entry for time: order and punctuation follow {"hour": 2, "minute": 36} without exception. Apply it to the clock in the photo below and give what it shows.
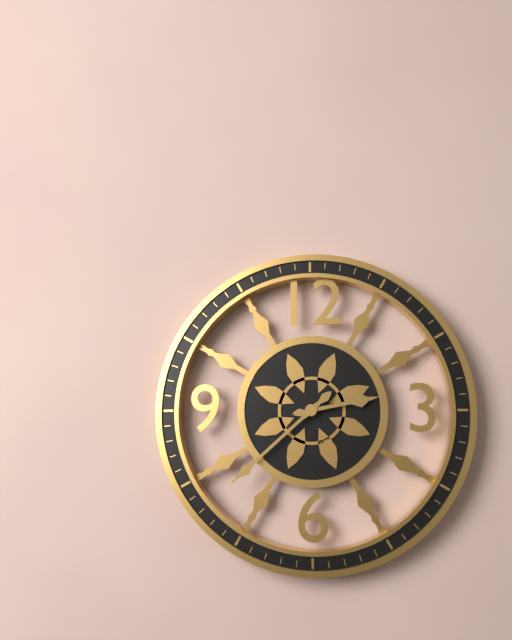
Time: {"hour": 2, "minute": 38}
